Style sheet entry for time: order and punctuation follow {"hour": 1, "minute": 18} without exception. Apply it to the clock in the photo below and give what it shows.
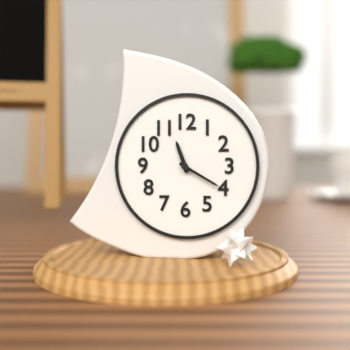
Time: {"hour": 11, "minute": 20}
